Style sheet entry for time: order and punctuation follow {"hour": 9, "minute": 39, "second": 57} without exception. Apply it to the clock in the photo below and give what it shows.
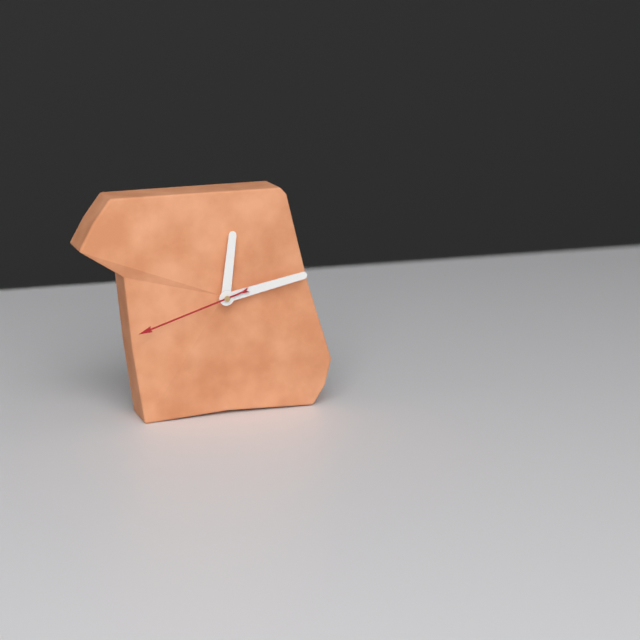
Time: {"hour": 12, "minute": 13, "second": 42}
